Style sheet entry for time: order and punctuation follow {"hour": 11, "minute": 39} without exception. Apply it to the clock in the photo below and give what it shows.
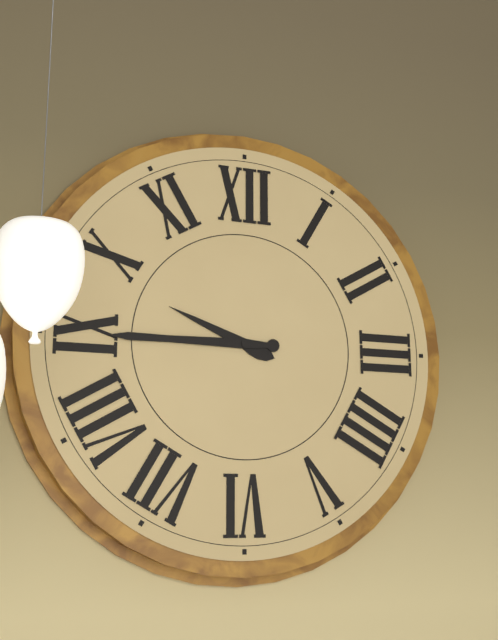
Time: {"hour": 9, "minute": 45}
